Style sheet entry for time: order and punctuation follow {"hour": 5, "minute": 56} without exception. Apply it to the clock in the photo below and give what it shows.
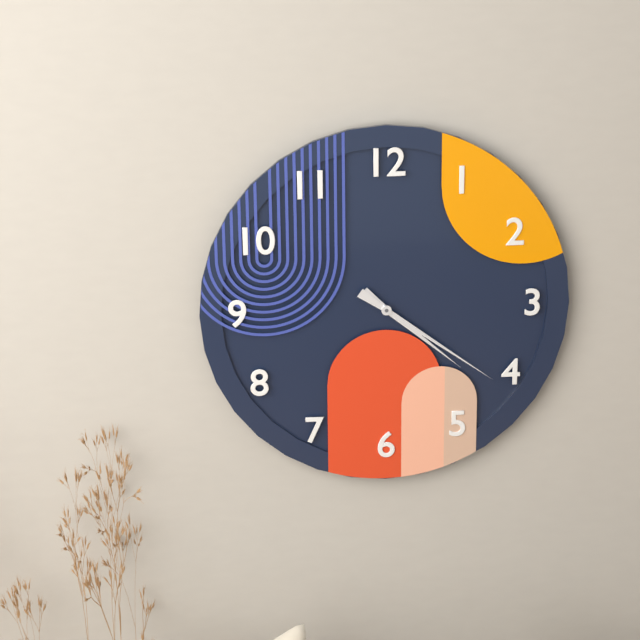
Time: {"hour": 4, "minute": 21}
